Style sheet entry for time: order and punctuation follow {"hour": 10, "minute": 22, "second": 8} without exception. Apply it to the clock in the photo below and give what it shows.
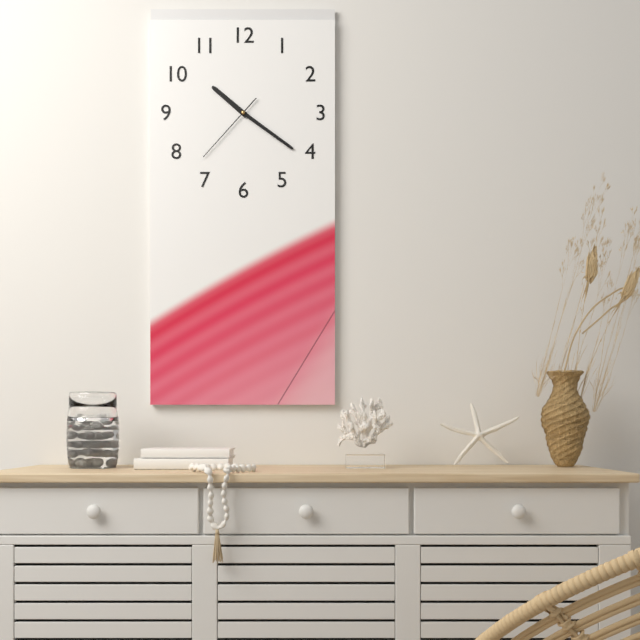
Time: {"hour": 10, "minute": 21, "second": 37}
